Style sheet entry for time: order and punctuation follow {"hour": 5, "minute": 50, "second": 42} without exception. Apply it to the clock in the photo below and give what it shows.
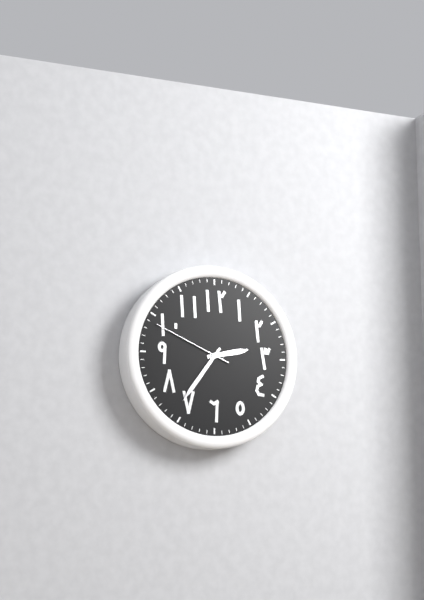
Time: {"hour": 2, "minute": 36, "second": 49}
